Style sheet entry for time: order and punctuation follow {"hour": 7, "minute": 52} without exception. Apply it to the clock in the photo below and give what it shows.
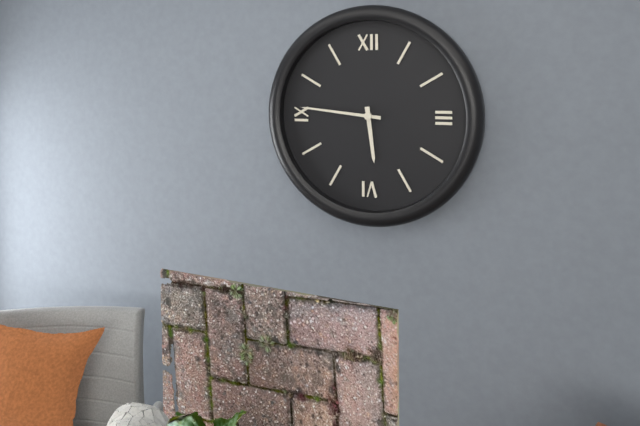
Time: {"hour": 5, "minute": 46}
